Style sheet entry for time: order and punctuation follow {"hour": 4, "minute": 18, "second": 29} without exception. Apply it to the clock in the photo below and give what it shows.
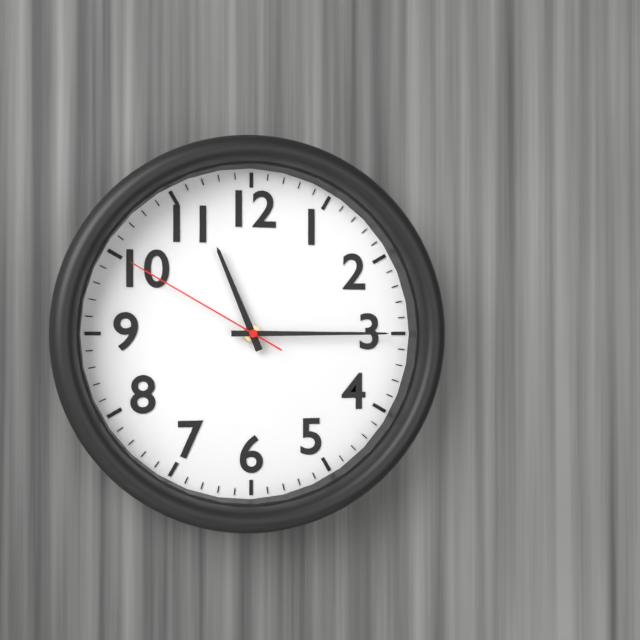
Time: {"hour": 11, "minute": 15, "second": 50}
